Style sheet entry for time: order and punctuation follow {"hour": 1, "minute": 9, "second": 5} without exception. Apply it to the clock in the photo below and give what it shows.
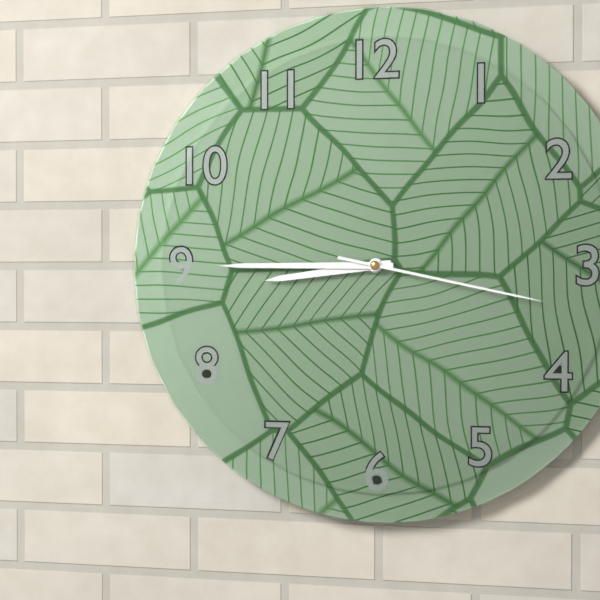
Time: {"hour": 8, "minute": 45, "second": 17}
